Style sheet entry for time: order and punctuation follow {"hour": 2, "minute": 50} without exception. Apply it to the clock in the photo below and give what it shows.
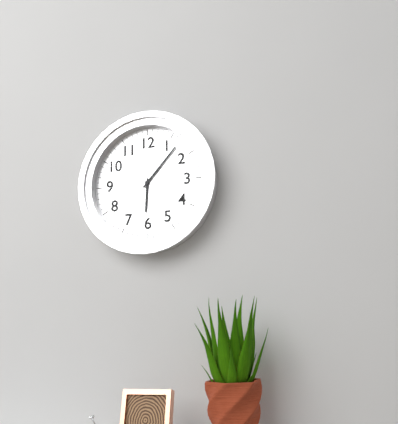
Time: {"hour": 6, "minute": 7}
